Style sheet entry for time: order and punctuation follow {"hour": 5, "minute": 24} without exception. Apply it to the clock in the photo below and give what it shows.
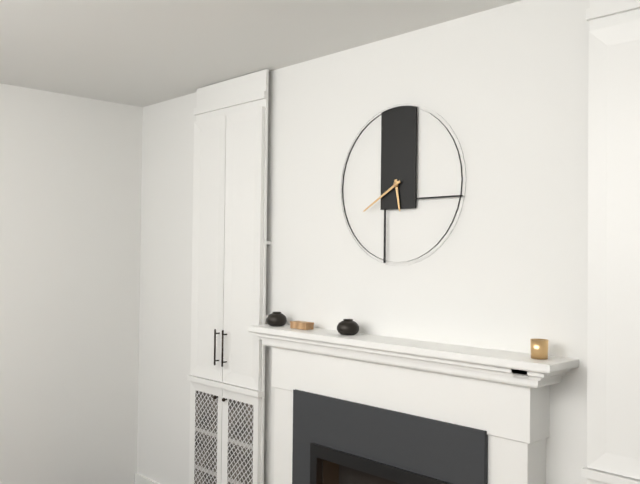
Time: {"hour": 5, "minute": 40}
